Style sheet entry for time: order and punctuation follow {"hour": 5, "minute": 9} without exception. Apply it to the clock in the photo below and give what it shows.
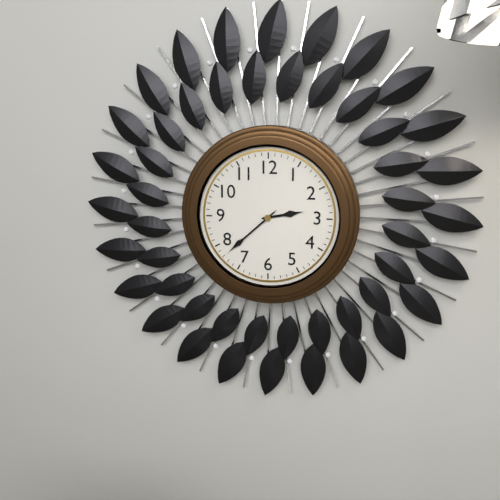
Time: {"hour": 2, "minute": 38}
